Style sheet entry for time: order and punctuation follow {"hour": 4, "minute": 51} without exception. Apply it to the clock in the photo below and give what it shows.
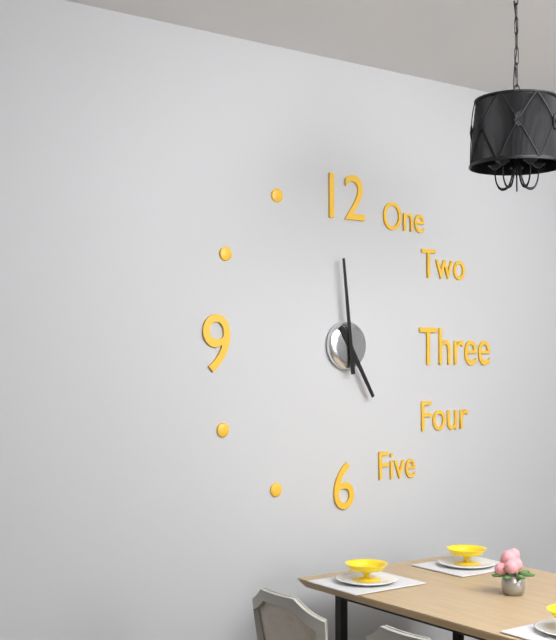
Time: {"hour": 4, "minute": 59}
